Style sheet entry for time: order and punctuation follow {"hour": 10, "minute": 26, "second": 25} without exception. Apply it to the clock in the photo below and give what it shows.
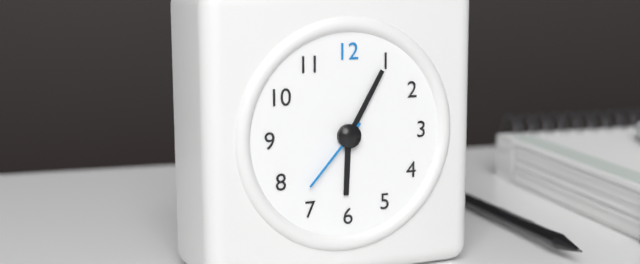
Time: {"hour": 6, "minute": 5, "second": 37}
